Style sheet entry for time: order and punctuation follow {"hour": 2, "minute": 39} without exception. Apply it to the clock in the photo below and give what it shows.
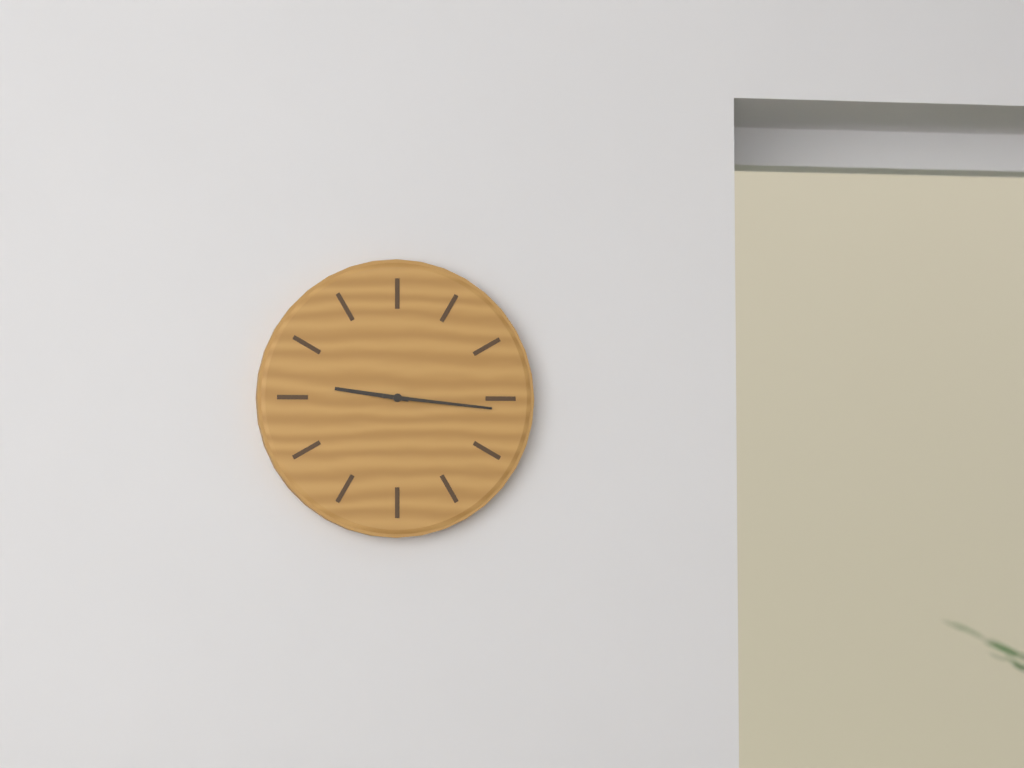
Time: {"hour": 9, "minute": 16}
